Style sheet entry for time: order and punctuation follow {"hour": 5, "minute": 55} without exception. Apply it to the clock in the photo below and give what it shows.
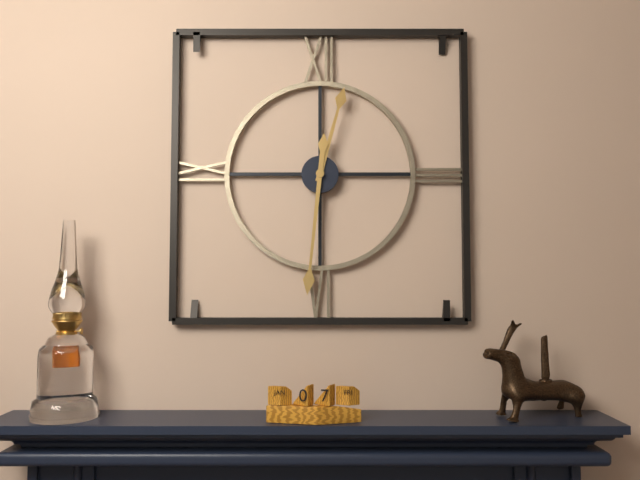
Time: {"hour": 12, "minute": 31}
